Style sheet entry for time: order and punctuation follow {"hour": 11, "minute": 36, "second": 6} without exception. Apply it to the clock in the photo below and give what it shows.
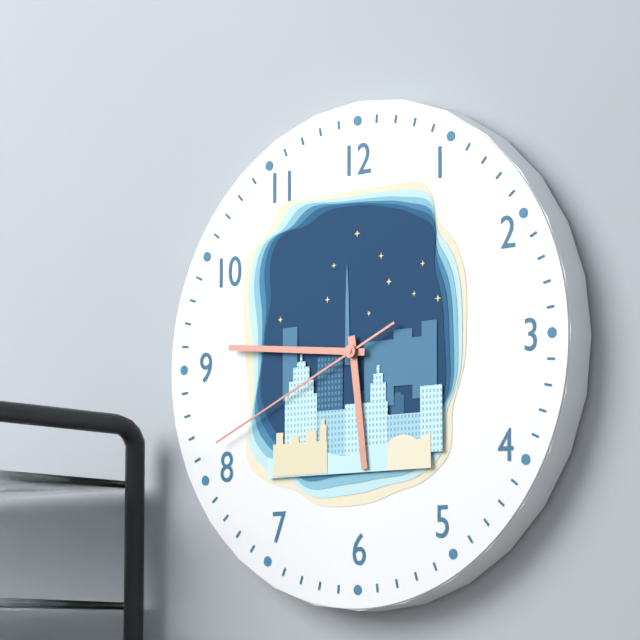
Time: {"hour": 5, "minute": 46, "second": 41}
